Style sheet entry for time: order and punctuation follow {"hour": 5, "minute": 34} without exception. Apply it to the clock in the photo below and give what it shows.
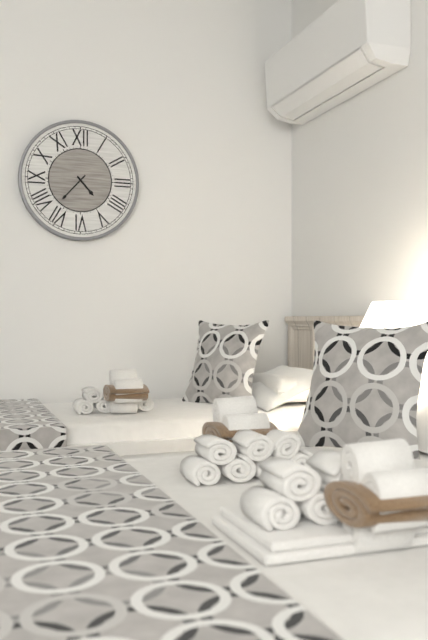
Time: {"hour": 4, "minute": 37}
